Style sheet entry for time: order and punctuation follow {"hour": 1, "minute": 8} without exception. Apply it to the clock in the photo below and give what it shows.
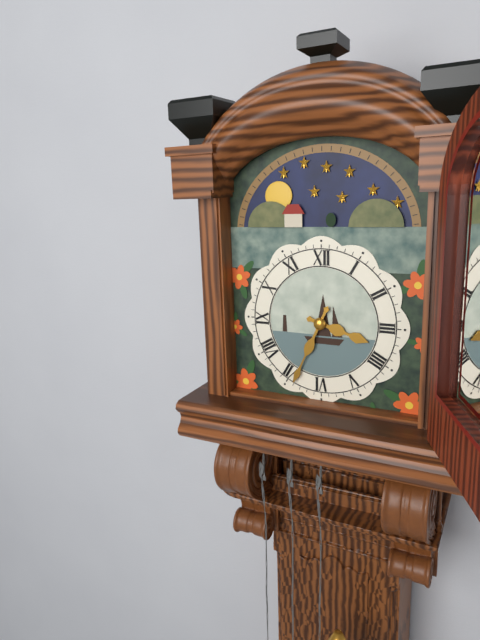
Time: {"hour": 3, "minute": 34}
